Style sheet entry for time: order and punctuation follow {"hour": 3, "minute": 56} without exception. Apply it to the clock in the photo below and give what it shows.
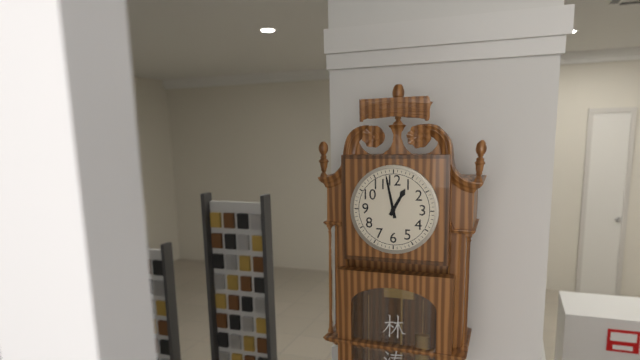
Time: {"hour": 12, "minute": 58}
